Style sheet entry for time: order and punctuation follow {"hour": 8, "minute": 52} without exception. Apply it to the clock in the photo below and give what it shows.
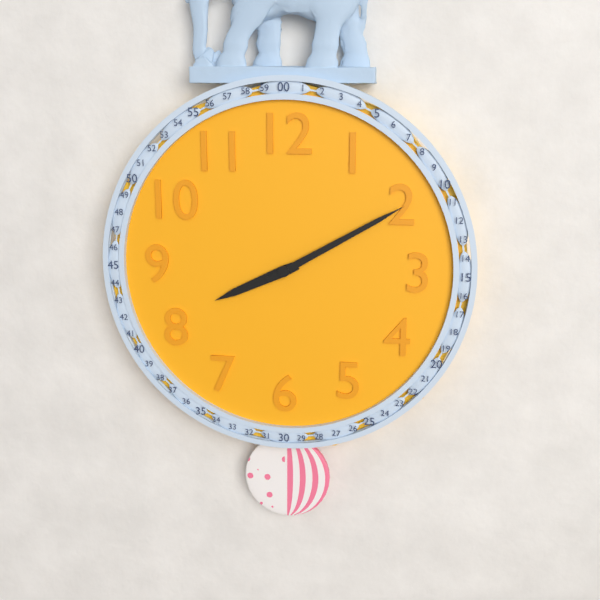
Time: {"hour": 8, "minute": 10}
